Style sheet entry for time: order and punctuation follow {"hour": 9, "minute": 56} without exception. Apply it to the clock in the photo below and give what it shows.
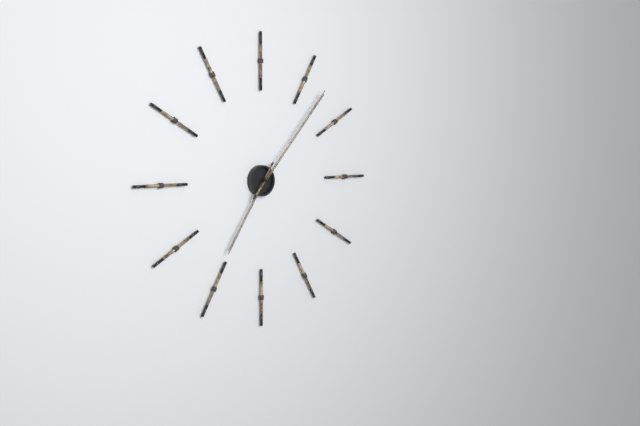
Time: {"hour": 7, "minute": 7}
